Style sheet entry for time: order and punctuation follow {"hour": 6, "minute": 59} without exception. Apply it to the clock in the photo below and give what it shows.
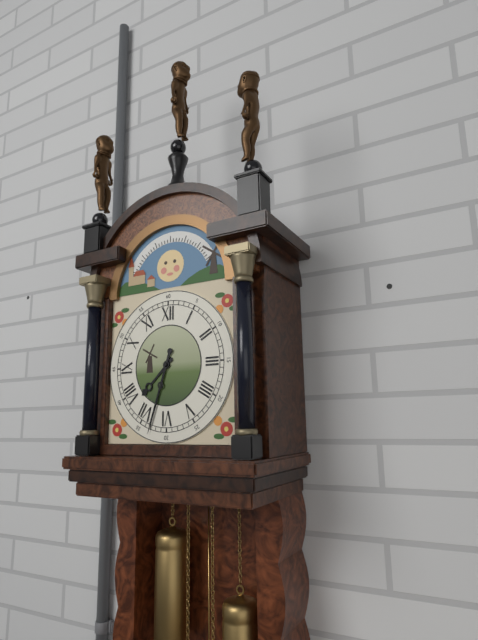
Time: {"hour": 7, "minute": 33}
